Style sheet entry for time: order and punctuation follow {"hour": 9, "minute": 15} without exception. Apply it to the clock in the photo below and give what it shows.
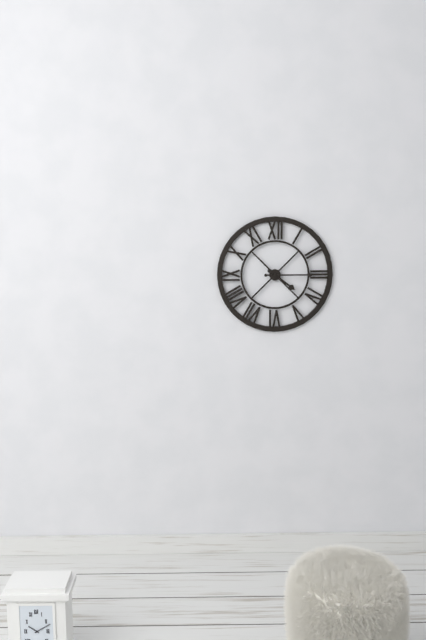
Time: {"hour": 4, "minute": 15}
